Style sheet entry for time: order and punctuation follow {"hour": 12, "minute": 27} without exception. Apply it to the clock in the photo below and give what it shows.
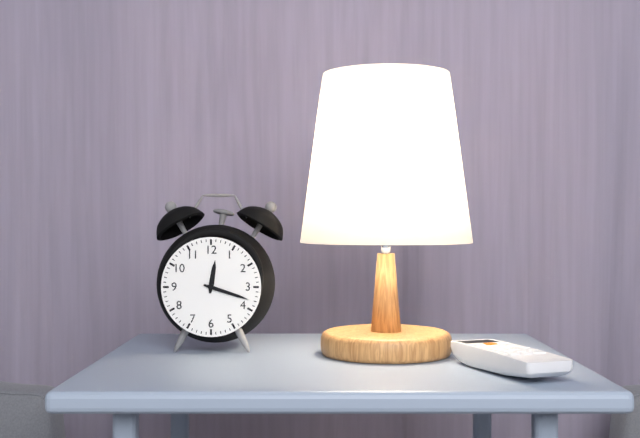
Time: {"hour": 12, "minute": 18}
